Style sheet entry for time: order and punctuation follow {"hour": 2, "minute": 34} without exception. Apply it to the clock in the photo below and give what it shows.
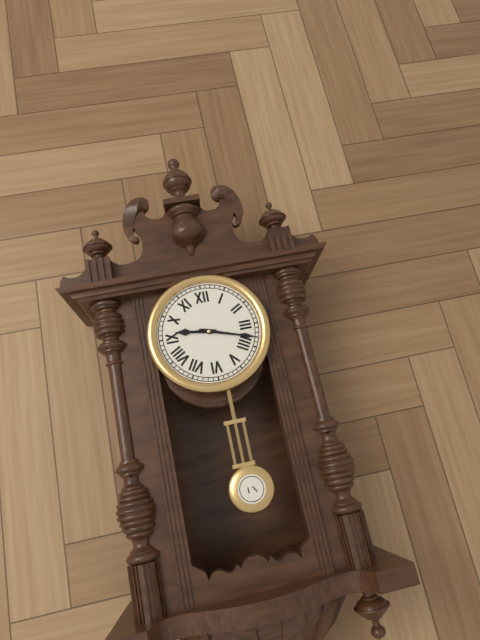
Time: {"hour": 9, "minute": 18}
